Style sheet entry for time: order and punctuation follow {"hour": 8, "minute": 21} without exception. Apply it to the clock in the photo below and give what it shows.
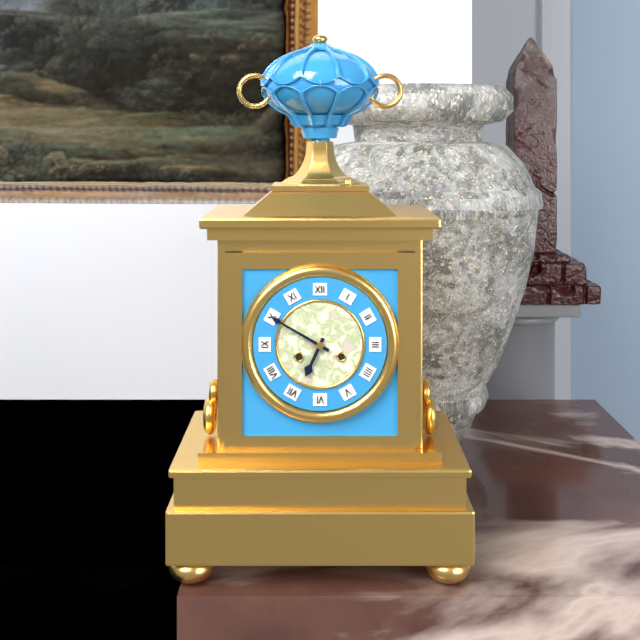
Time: {"hour": 6, "minute": 50}
